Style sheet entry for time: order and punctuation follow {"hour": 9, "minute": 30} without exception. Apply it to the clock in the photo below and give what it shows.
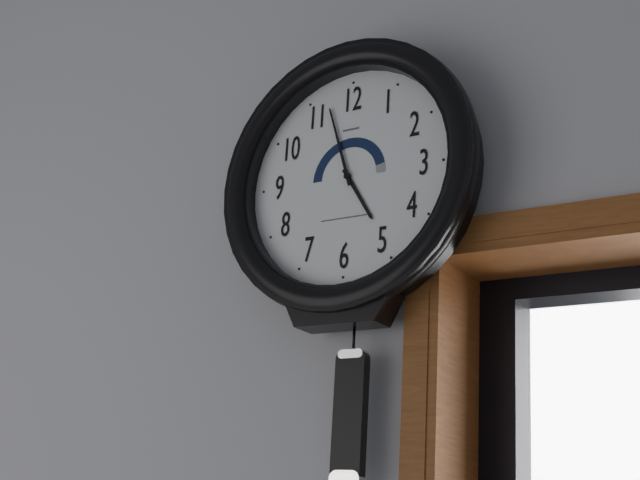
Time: {"hour": 4, "minute": 57}
